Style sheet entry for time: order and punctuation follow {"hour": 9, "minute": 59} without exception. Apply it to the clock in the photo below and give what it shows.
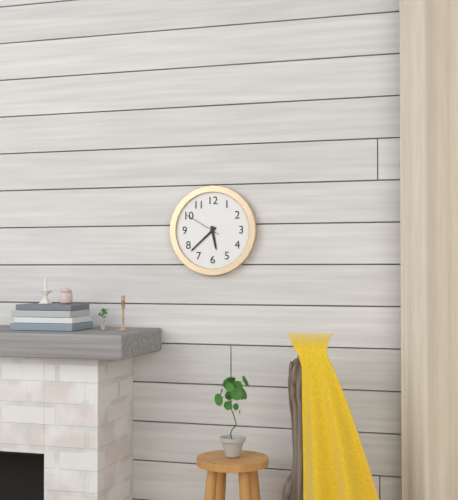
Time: {"hour": 5, "minute": 38}
